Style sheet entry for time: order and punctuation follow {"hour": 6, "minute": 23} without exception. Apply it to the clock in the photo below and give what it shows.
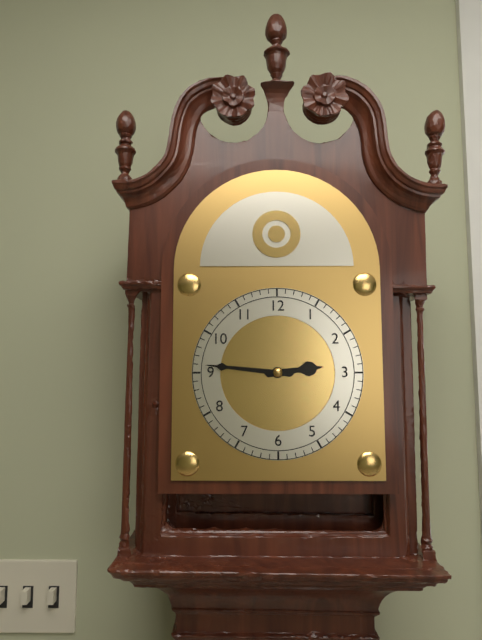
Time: {"hour": 2, "minute": 46}
